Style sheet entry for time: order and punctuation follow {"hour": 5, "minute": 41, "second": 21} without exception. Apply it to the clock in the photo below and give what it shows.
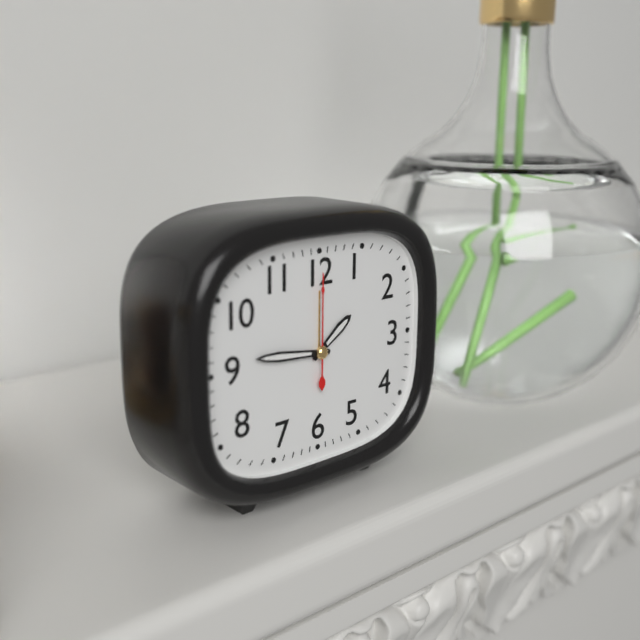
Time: {"hour": 1, "minute": 46, "second": 0}
